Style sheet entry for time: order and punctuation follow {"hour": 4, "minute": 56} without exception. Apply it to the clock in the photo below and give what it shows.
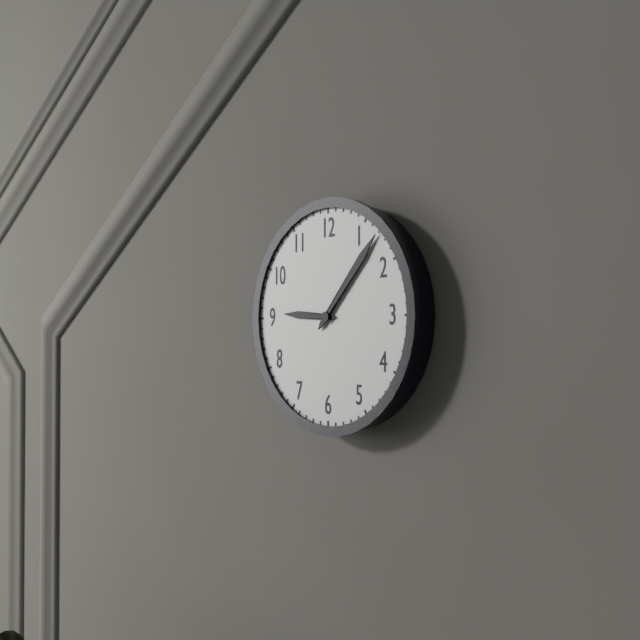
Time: {"hour": 9, "minute": 7}
